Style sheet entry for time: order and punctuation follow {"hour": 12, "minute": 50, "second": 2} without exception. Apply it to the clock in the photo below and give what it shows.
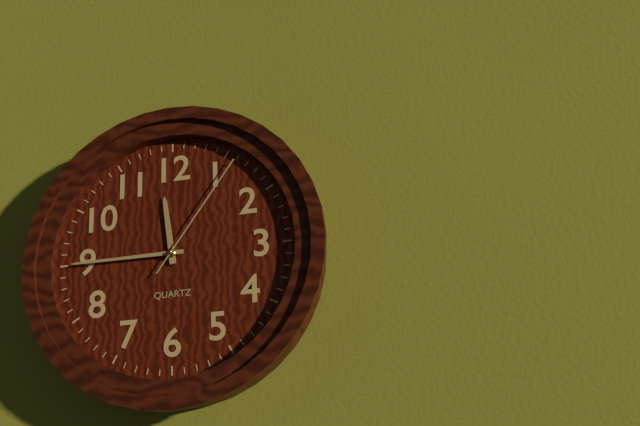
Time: {"hour": 11, "minute": 45, "second": 6}
